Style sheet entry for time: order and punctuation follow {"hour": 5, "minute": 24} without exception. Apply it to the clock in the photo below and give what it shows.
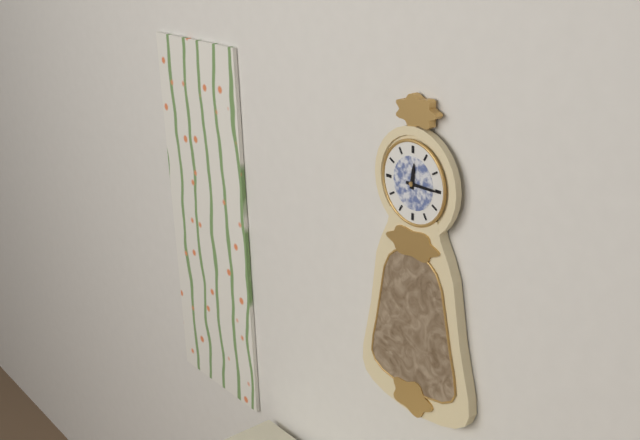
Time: {"hour": 12, "minute": 15}
